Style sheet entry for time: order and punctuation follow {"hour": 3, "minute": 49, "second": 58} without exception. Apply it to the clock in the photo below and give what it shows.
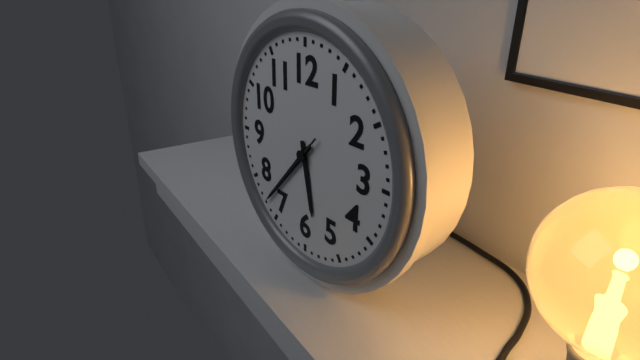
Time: {"hour": 5, "minute": 37, "second": 37}
